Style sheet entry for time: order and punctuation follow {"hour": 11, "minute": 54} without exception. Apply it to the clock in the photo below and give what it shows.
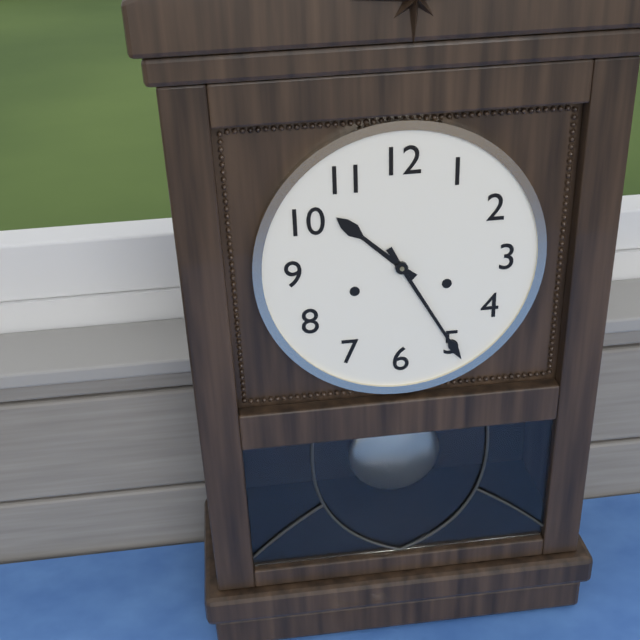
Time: {"hour": 10, "minute": 25}
